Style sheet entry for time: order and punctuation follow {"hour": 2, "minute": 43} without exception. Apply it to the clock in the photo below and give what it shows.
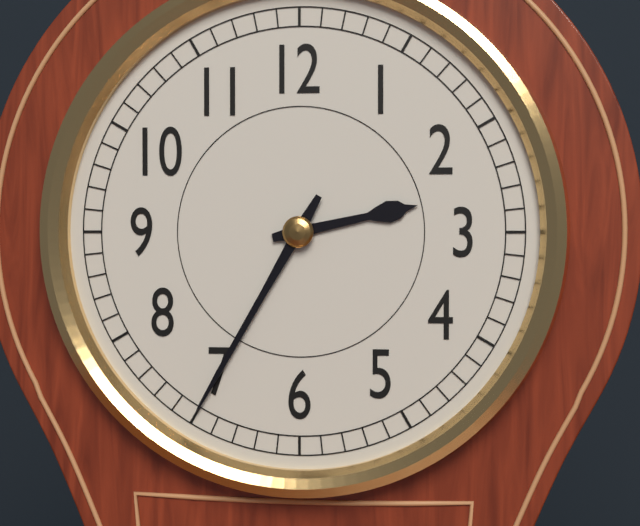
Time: {"hour": 2, "minute": 35}
